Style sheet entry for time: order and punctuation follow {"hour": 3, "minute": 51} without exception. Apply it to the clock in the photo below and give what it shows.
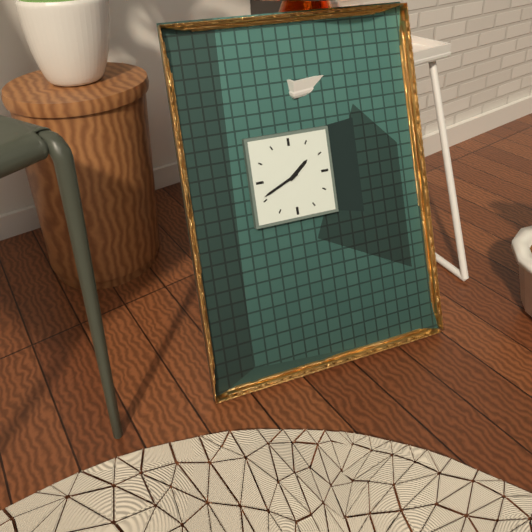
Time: {"hour": 1, "minute": 41}
